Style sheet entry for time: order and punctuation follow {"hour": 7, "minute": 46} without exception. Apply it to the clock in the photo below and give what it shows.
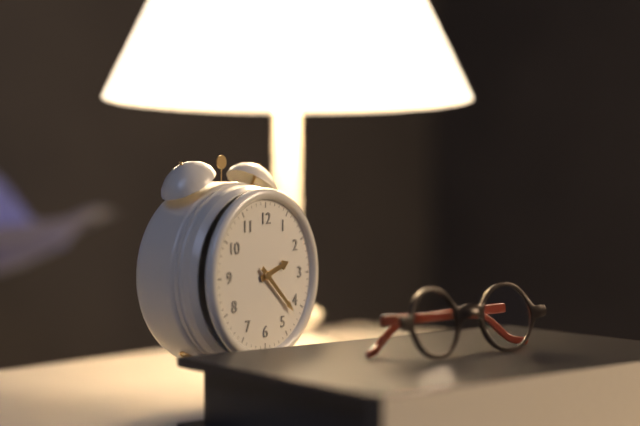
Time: {"hour": 2, "minute": 22}
